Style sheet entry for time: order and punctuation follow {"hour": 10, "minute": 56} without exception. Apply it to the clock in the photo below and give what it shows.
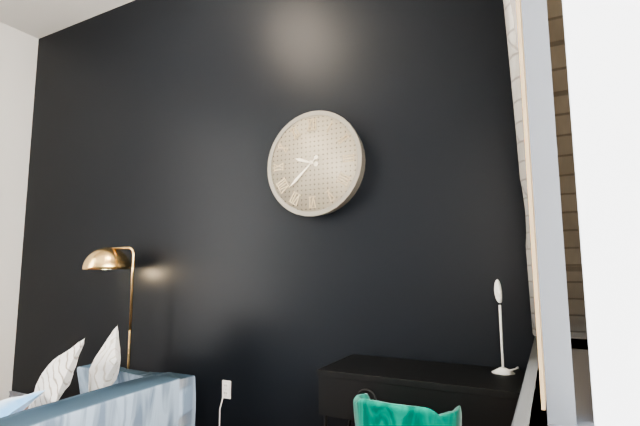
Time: {"hour": 9, "minute": 38}
